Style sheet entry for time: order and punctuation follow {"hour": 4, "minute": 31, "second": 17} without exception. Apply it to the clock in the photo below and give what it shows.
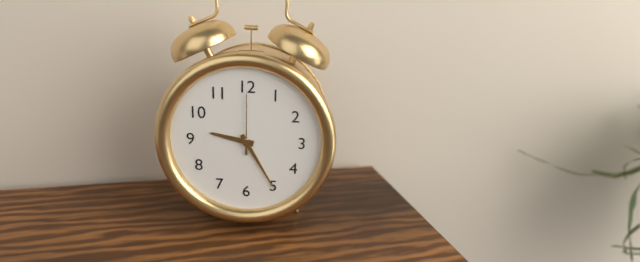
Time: {"hour": 9, "minute": 25, "second": 0}
